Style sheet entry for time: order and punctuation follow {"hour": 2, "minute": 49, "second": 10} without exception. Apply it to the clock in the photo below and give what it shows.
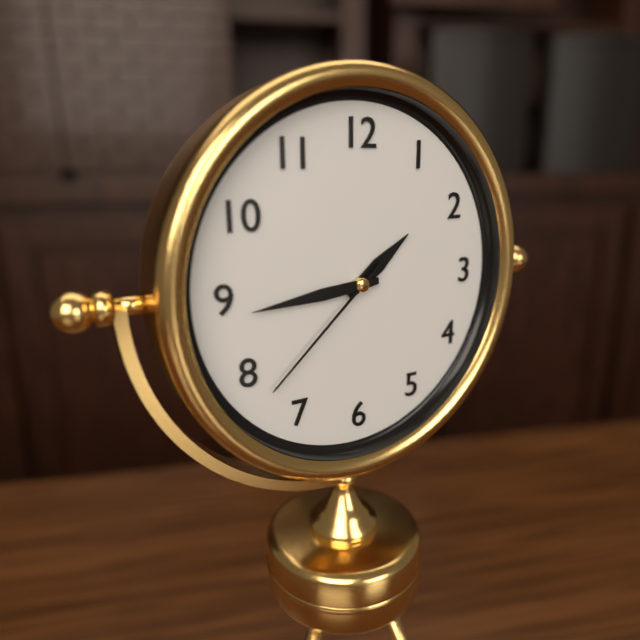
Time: {"hour": 1, "minute": 44, "second": 38}
